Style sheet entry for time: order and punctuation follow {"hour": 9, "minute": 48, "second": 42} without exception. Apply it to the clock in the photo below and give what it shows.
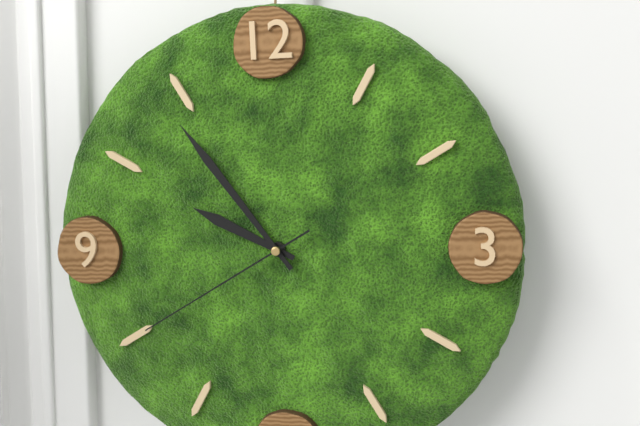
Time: {"hour": 9, "minute": 54, "second": 40}
